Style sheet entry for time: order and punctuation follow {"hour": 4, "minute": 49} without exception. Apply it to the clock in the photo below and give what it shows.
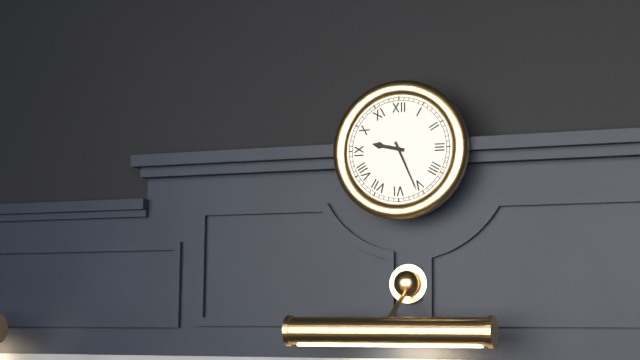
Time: {"hour": 9, "minute": 26}
